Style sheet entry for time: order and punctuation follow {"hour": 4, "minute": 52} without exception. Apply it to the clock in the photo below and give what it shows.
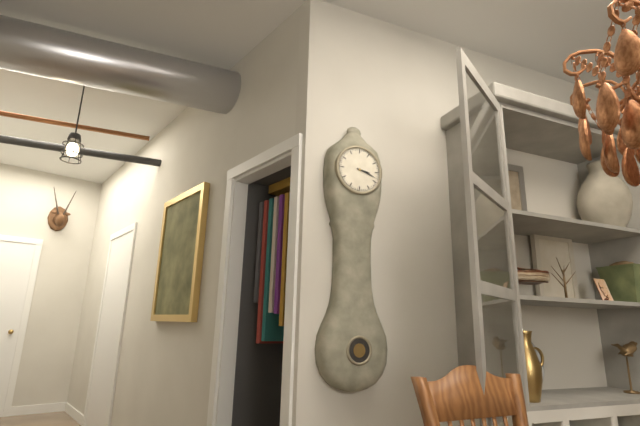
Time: {"hour": 3, "minute": 18}
